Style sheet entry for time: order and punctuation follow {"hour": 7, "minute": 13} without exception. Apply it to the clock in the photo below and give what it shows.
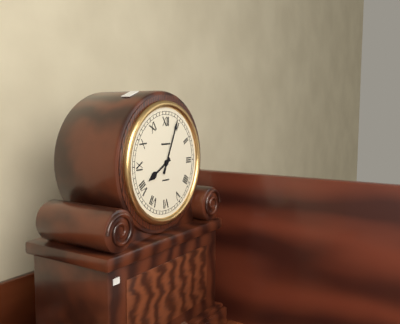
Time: {"hour": 8, "minute": 4}
